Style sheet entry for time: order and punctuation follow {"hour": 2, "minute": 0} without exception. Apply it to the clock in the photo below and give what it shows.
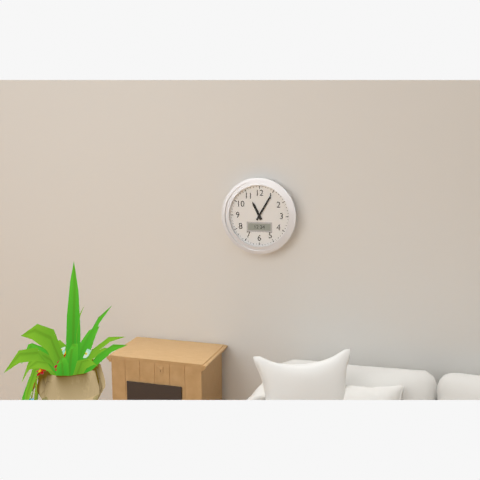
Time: {"hour": 11, "minute": 5}
